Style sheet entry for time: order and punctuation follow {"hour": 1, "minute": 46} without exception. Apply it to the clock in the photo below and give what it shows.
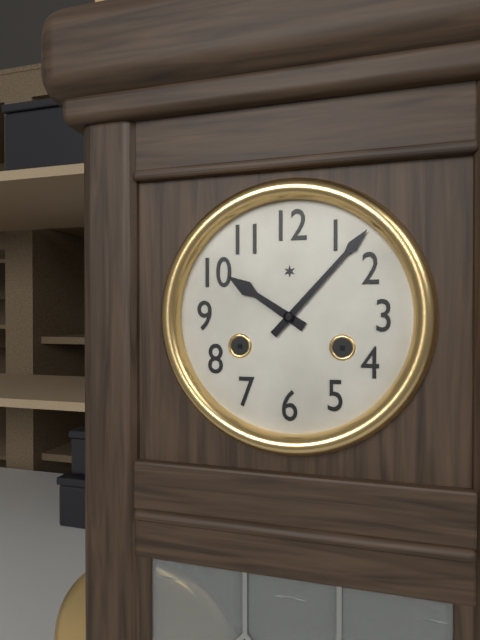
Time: {"hour": 10, "minute": 7}
